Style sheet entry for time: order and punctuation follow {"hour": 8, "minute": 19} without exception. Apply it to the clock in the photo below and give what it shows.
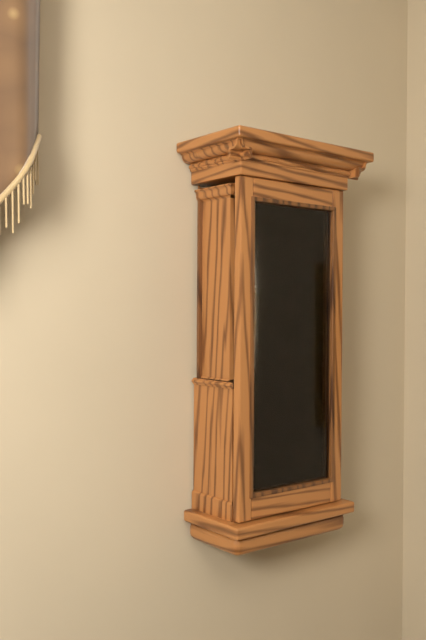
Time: {"hour": 2, "minute": 41}
